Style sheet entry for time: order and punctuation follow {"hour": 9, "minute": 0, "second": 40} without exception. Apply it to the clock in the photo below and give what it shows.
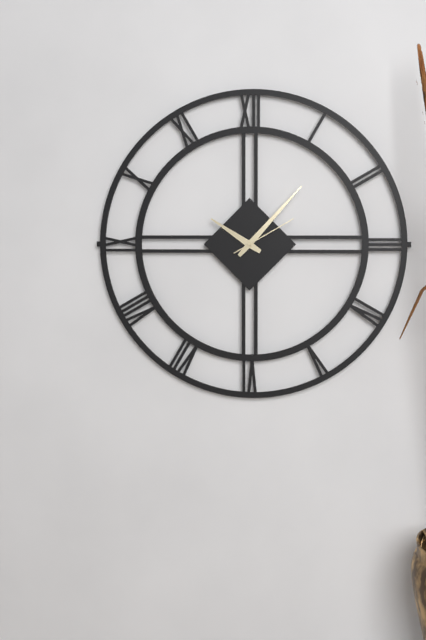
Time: {"hour": 10, "minute": 7, "second": 10}
